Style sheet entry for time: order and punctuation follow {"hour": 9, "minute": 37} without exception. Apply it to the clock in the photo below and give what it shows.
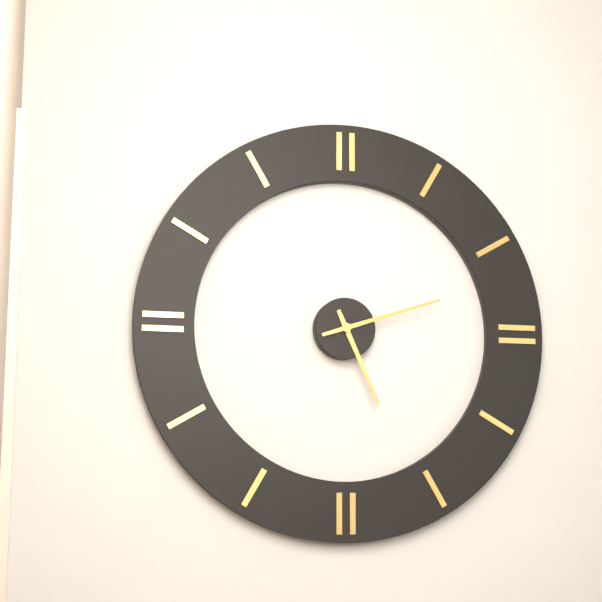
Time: {"hour": 5, "minute": 12}
